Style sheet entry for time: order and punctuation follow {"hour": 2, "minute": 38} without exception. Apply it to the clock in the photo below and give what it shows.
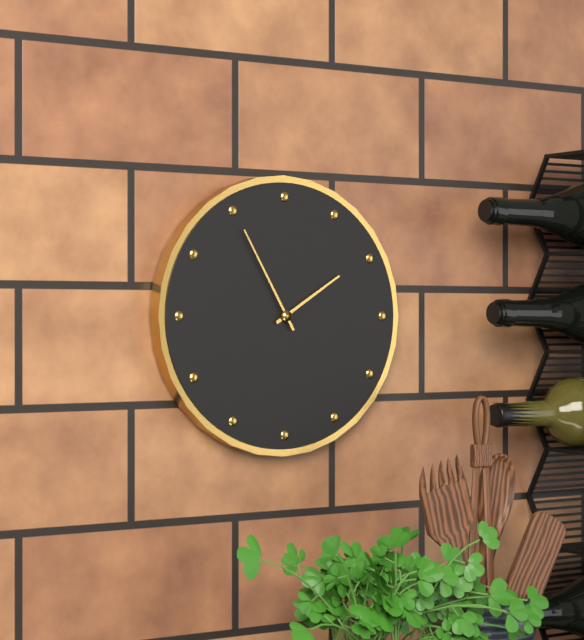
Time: {"hour": 1, "minute": 55}
